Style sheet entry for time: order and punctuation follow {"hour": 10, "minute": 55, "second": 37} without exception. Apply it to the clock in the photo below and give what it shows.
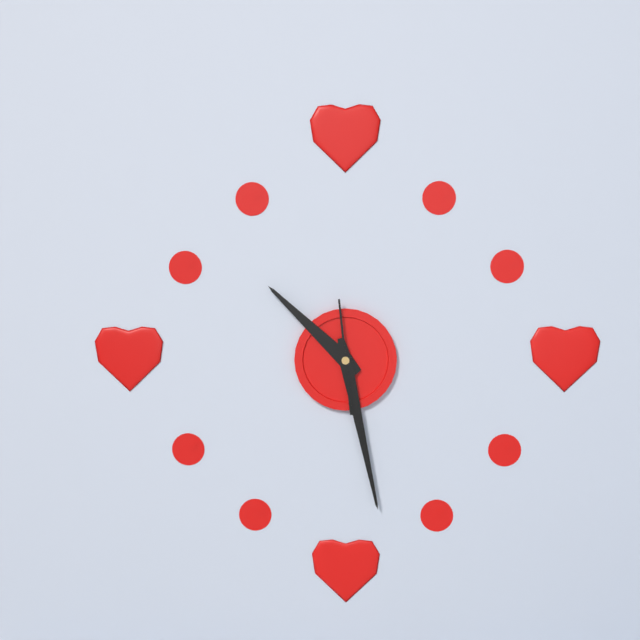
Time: {"hour": 10, "minute": 28, "second": 59}
